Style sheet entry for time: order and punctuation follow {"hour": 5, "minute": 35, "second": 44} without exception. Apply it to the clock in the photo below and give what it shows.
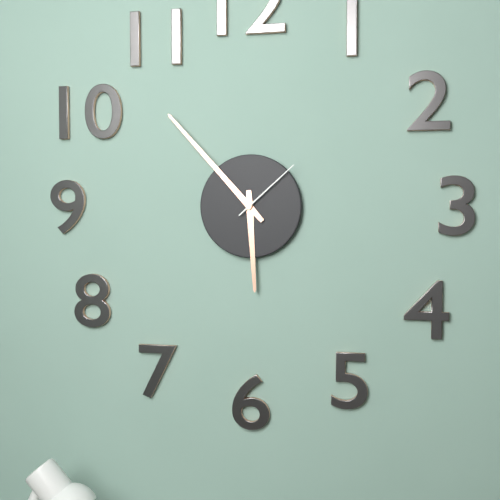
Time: {"hour": 5, "minute": 53, "second": 8}
